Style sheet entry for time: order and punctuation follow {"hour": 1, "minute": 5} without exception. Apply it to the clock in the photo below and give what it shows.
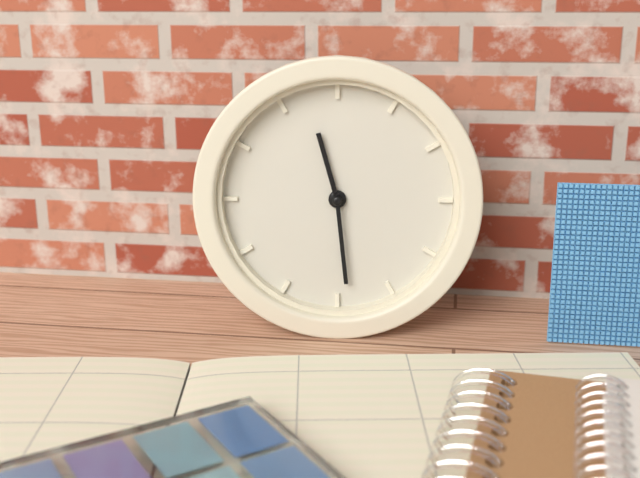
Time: {"hour": 11, "minute": 29}
